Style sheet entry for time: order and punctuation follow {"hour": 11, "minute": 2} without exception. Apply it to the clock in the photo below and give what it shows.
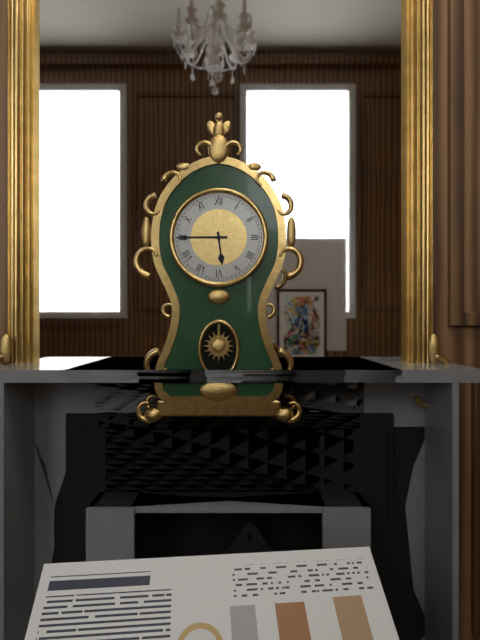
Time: {"hour": 5, "minute": 45}
